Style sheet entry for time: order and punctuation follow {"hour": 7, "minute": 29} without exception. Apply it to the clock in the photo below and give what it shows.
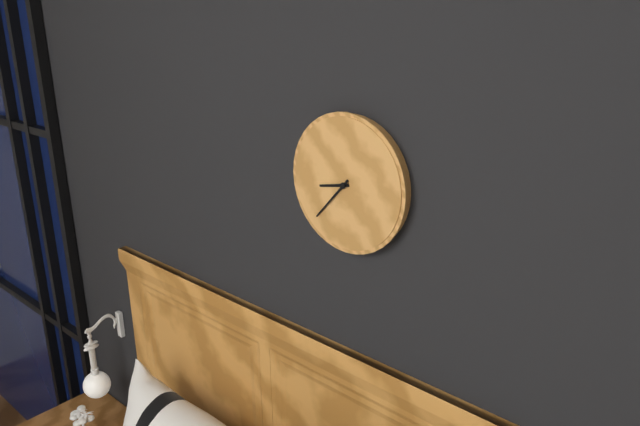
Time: {"hour": 8, "minute": 37}
